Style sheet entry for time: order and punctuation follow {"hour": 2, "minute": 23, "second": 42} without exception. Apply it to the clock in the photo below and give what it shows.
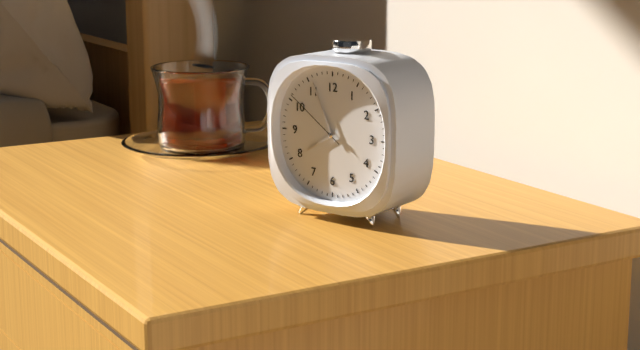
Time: {"hour": 7, "minute": 56, "second": 51}
